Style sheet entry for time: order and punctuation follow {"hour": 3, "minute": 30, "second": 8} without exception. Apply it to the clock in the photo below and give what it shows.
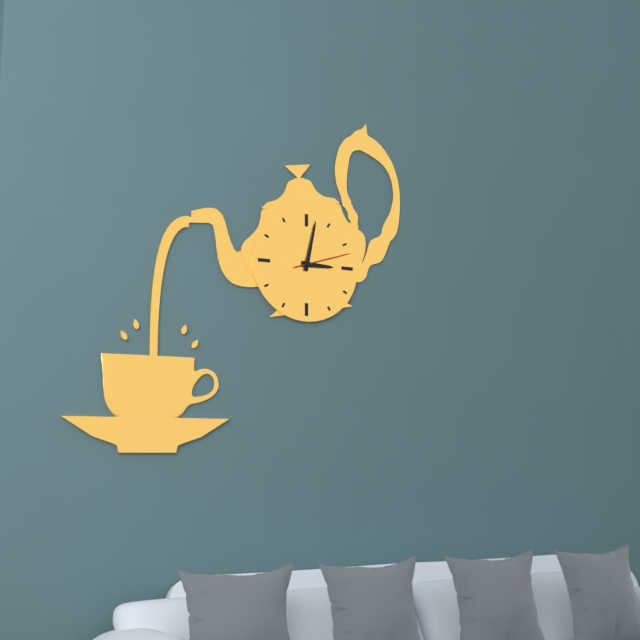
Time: {"hour": 3, "minute": 2, "second": 12}
